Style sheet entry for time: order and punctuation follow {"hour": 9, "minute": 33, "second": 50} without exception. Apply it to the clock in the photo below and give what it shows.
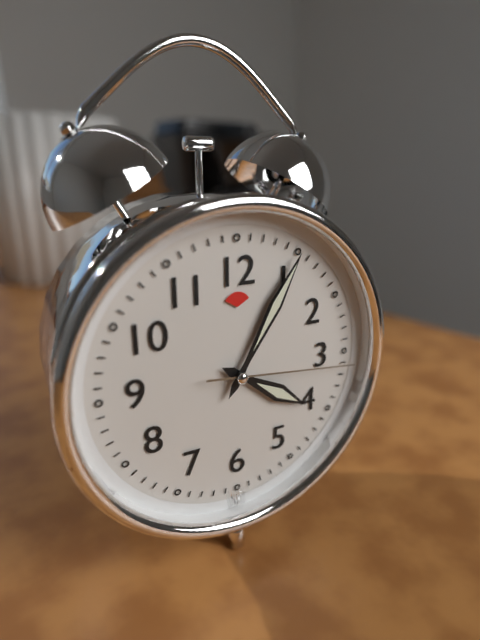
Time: {"hour": 4, "minute": 5, "second": 16}
